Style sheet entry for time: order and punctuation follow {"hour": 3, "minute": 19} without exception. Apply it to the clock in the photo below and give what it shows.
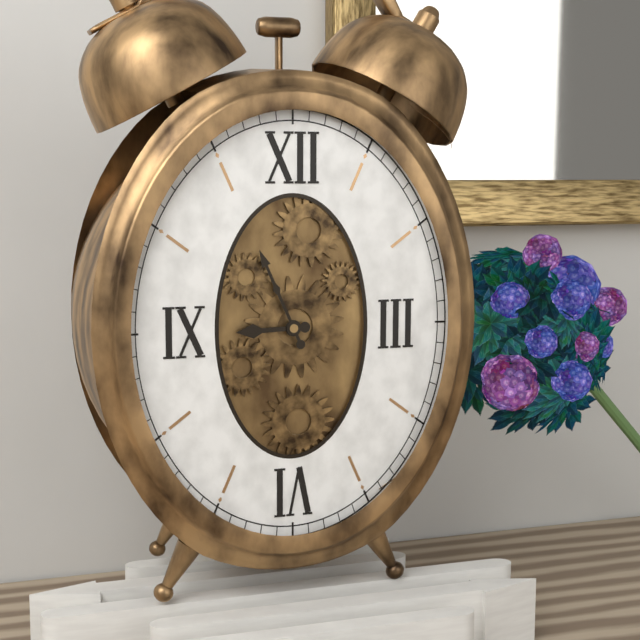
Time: {"hour": 8, "minute": 56}
